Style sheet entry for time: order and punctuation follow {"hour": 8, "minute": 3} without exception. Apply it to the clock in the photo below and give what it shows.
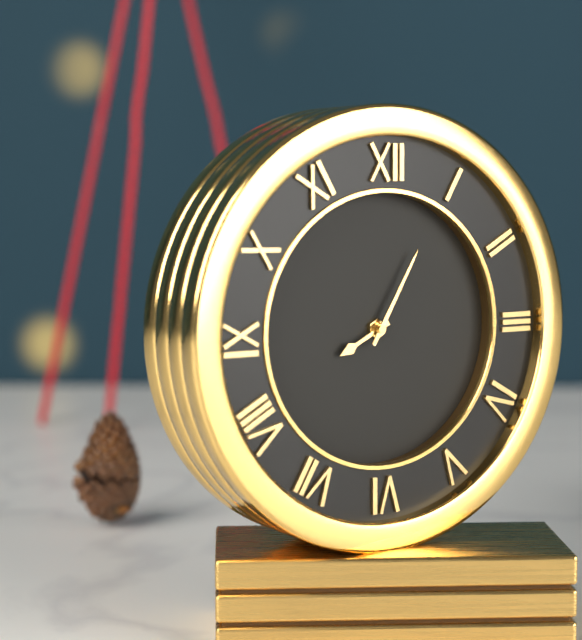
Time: {"hour": 8, "minute": 5}
